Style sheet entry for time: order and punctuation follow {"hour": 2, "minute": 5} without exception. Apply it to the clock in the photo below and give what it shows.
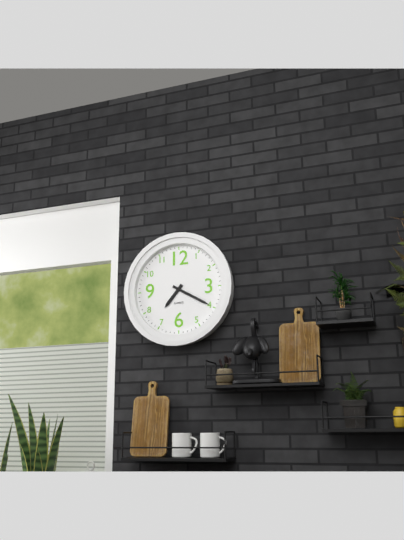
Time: {"hour": 7, "minute": 20}
